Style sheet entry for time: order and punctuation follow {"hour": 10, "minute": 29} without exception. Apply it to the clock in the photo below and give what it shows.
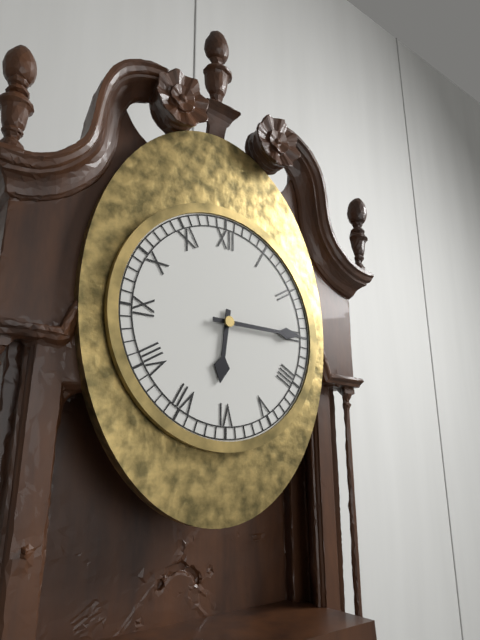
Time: {"hour": 6, "minute": 15}
